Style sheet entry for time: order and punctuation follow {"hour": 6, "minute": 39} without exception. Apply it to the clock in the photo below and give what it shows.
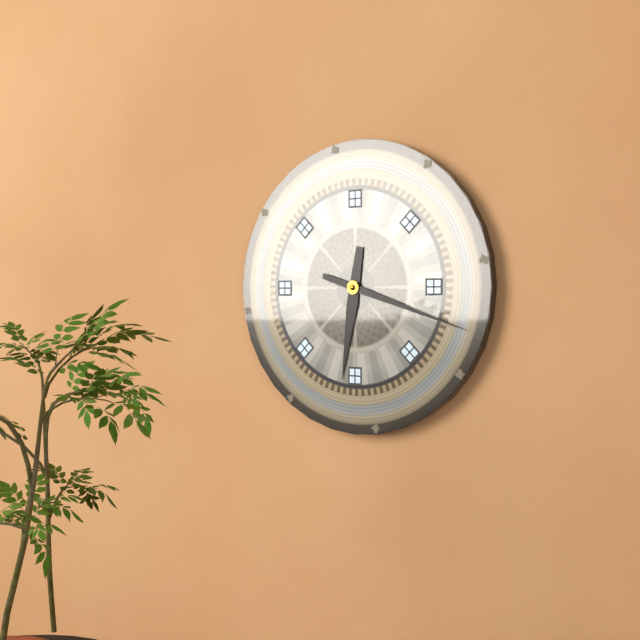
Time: {"hour": 6, "minute": 18}
